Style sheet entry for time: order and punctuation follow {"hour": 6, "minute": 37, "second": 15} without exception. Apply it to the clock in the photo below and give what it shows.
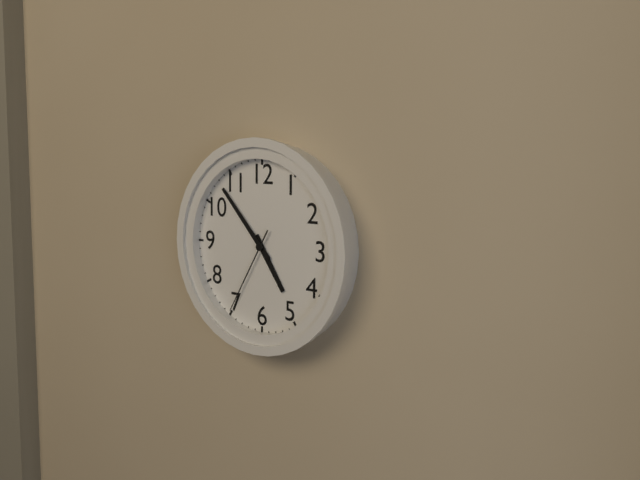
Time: {"hour": 4, "minute": 53, "second": 35}
